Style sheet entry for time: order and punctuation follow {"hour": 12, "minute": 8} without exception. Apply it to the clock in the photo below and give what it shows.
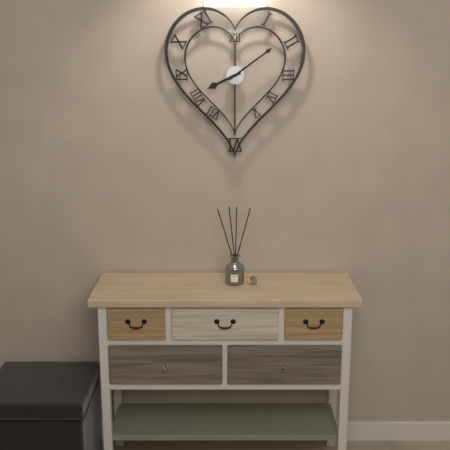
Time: {"hour": 8, "minute": 9}
